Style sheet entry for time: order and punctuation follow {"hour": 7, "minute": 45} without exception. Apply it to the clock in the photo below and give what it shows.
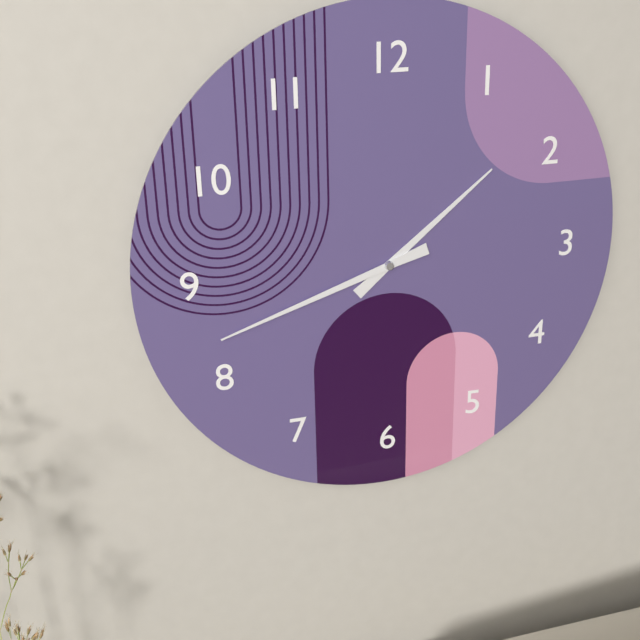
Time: {"hour": 1, "minute": 42}
